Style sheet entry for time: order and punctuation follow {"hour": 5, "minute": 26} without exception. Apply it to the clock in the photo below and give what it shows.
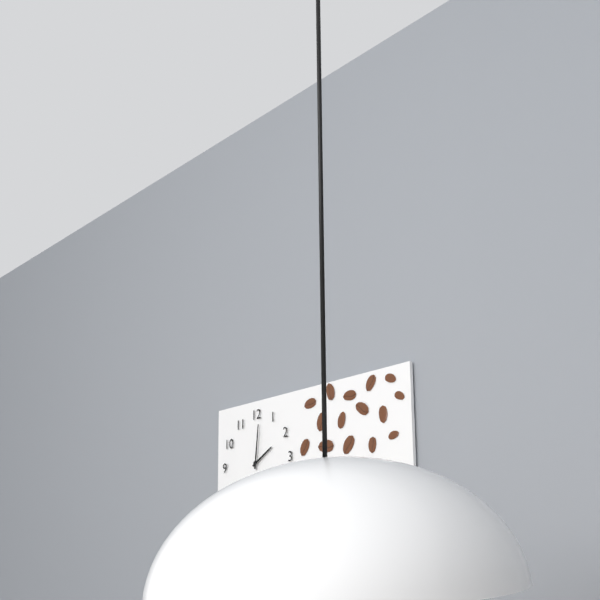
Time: {"hour": 2, "minute": 1}
